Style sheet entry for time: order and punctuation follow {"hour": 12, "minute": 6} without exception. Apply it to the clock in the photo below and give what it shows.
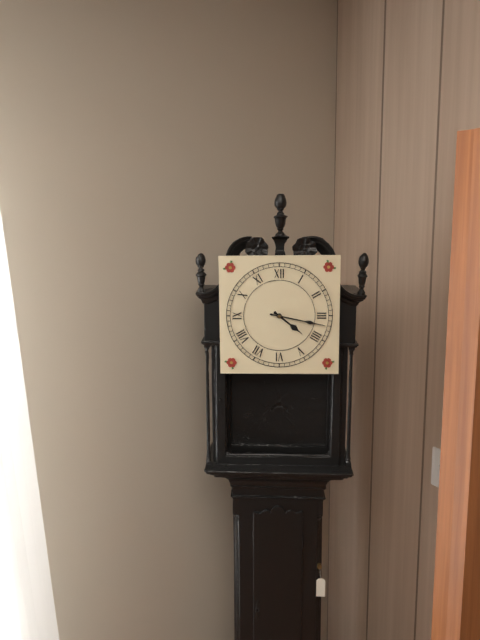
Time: {"hour": 4, "minute": 17}
